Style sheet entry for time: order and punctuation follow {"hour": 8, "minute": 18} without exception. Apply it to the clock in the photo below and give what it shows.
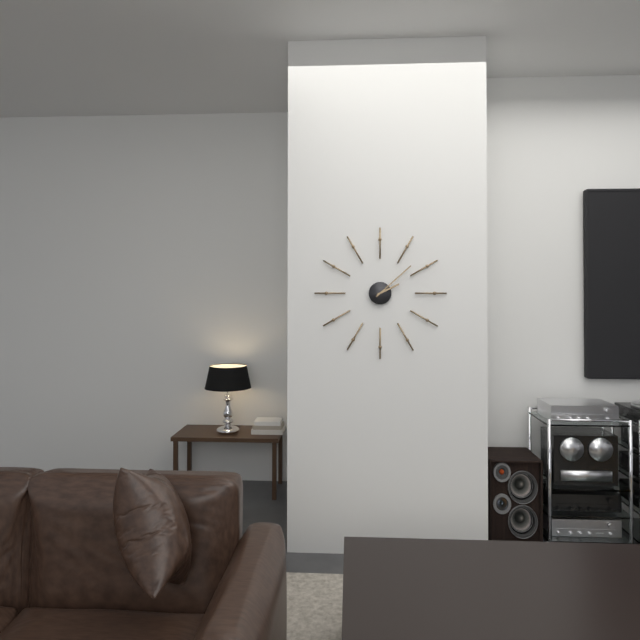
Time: {"hour": 2, "minute": 8}
